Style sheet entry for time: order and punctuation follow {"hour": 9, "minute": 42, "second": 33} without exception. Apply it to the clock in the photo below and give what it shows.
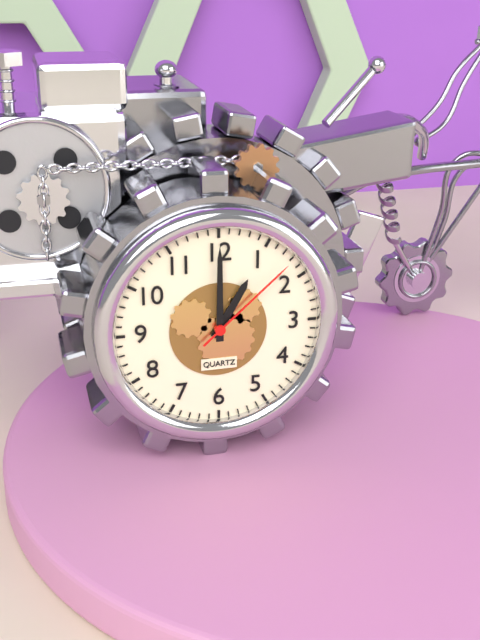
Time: {"hour": 1, "minute": 0, "second": 8}
